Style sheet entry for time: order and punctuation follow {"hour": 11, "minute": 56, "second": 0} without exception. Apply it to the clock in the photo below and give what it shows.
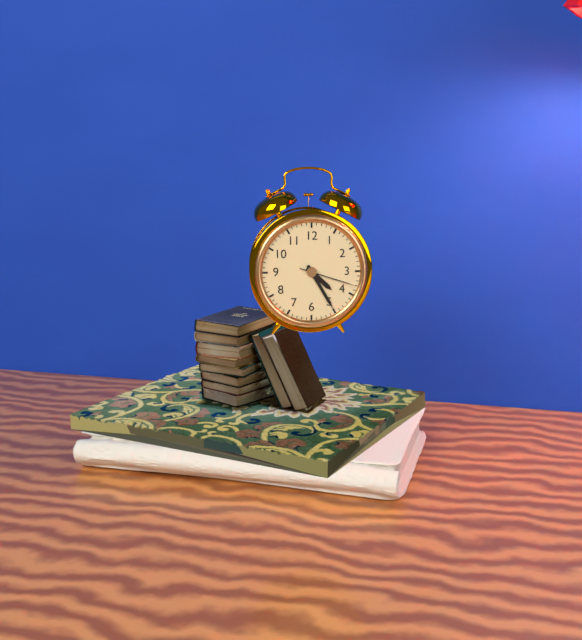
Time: {"hour": 4, "minute": 25, "second": 18}
